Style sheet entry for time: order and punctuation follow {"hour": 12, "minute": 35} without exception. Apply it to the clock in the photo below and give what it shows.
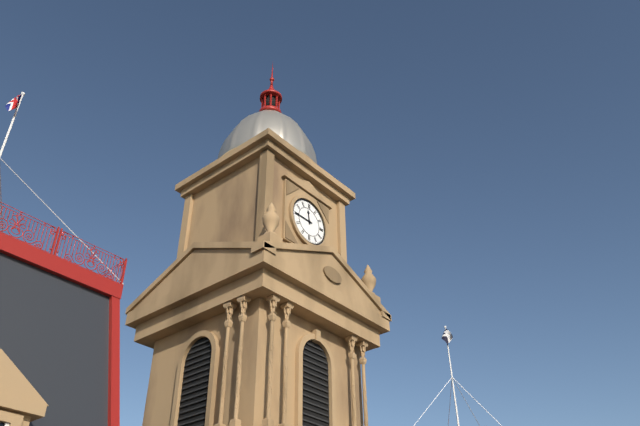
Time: {"hour": 11, "minute": 45}
